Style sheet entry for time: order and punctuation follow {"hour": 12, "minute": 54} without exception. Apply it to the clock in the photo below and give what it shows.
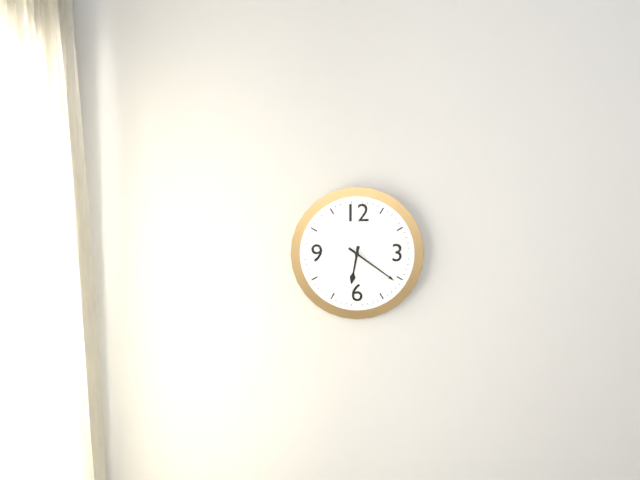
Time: {"hour": 6, "minute": 21}
